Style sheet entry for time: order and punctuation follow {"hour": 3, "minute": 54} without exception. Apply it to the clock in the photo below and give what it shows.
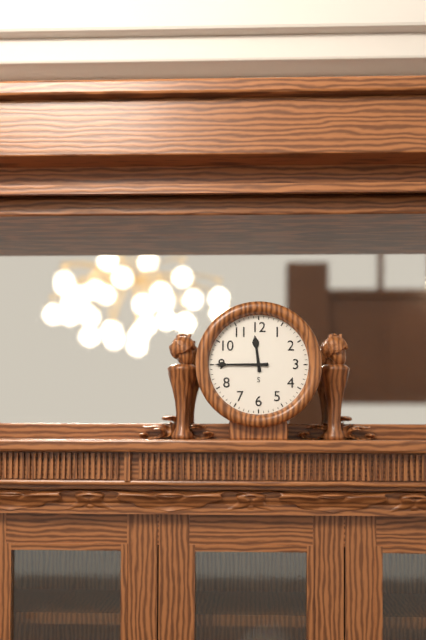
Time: {"hour": 11, "minute": 45}
